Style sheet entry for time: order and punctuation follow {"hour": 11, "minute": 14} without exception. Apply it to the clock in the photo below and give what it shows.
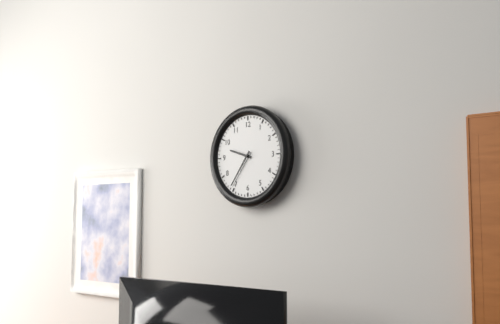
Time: {"hour": 9, "minute": 36}
